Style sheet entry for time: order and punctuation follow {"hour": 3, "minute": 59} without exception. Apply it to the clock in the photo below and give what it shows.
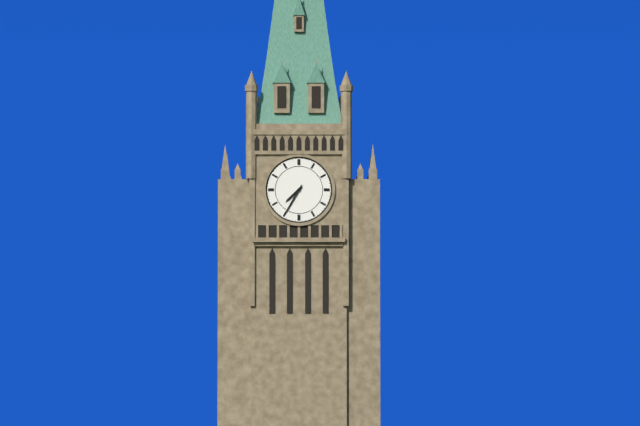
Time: {"hour": 7, "minute": 35}
